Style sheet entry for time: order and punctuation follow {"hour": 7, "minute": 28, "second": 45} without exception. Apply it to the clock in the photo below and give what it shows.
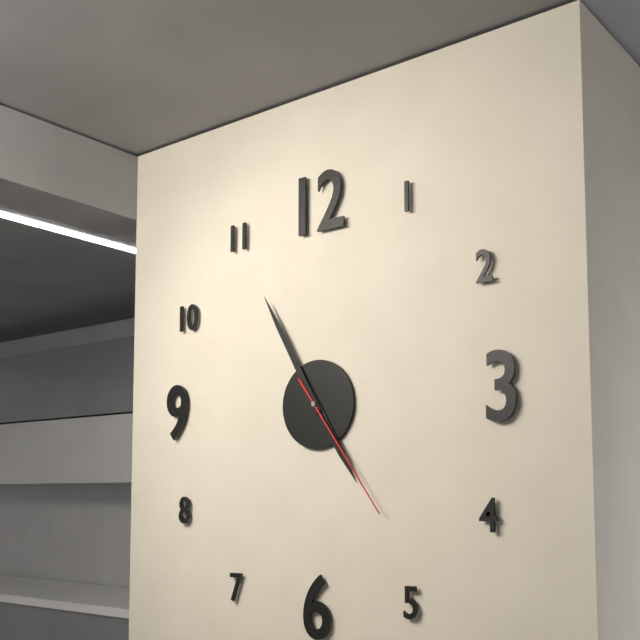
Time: {"hour": 4, "minute": 55, "second": 24}
